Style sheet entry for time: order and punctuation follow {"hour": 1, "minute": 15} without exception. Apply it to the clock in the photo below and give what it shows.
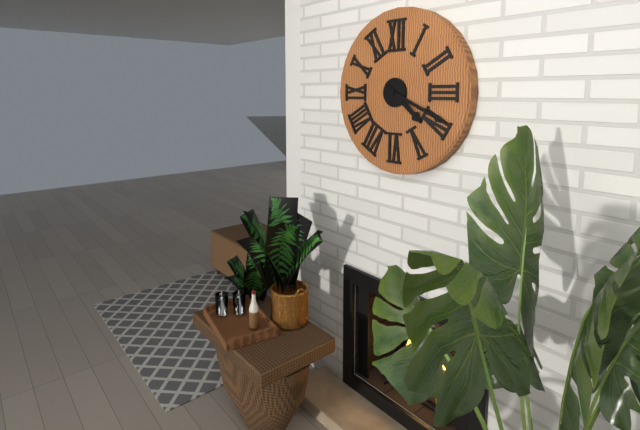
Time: {"hour": 4, "minute": 19}
